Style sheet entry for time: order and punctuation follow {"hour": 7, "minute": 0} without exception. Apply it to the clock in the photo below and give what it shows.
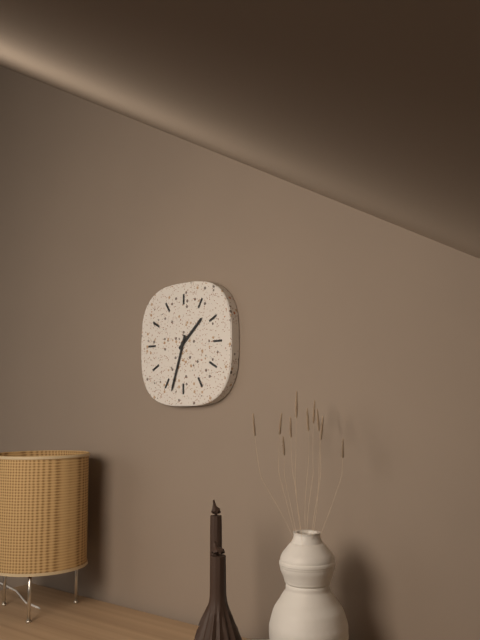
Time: {"hour": 1, "minute": 33}
